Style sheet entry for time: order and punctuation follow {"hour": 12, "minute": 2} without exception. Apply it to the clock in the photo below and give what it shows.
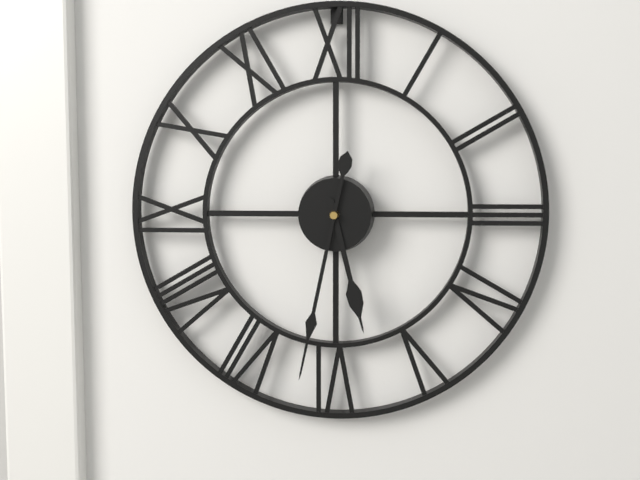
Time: {"hour": 5, "minute": 32}
